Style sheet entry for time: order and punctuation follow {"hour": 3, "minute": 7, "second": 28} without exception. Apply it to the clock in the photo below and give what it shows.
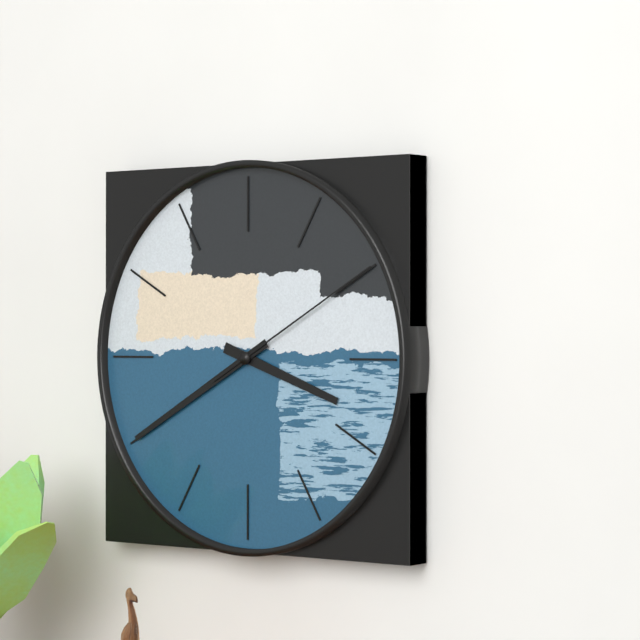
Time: {"hour": 3, "minute": 40, "second": 10}
